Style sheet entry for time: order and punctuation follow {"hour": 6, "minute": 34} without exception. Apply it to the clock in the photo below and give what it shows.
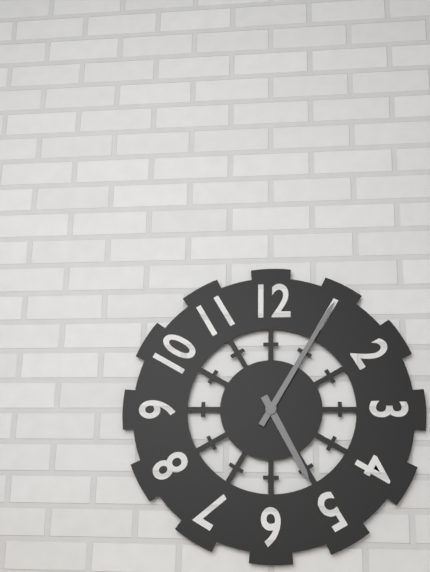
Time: {"hour": 5, "minute": 5}
